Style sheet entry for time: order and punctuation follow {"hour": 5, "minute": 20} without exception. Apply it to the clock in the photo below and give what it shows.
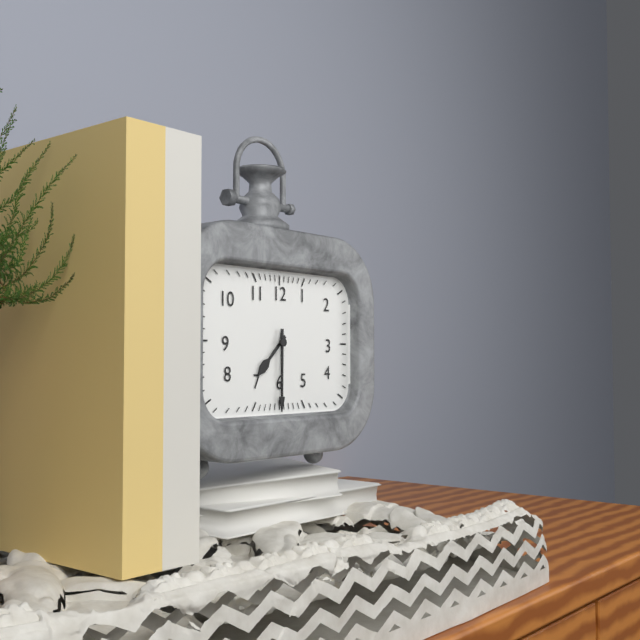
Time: {"hour": 7, "minute": 30}
